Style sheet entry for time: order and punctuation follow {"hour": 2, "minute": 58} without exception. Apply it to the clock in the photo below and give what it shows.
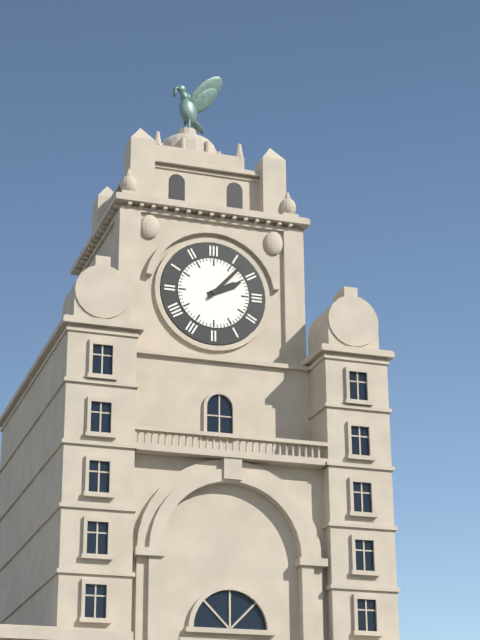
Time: {"hour": 2, "minute": 7}
